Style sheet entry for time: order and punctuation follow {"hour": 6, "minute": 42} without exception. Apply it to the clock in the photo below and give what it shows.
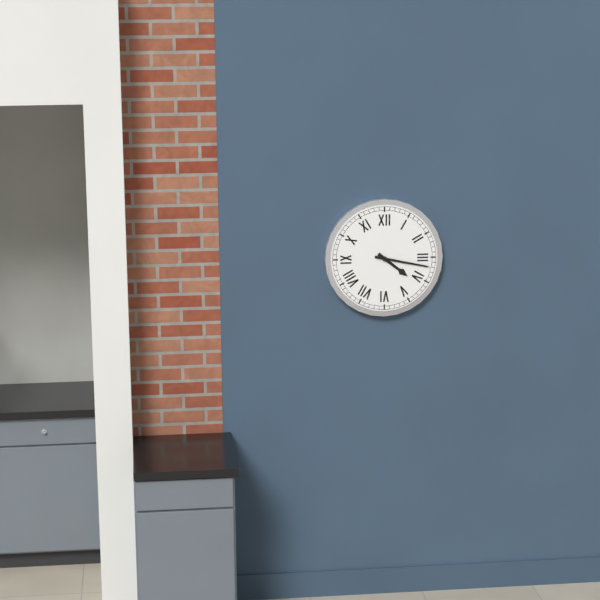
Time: {"hour": 4, "minute": 17}
